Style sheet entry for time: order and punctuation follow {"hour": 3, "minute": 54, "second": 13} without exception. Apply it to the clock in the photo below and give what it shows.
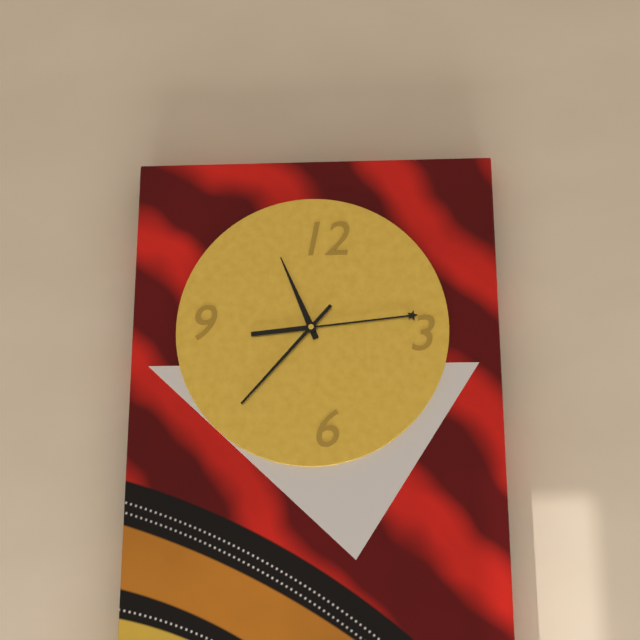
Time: {"hour": 11, "minute": 14, "second": 37}
